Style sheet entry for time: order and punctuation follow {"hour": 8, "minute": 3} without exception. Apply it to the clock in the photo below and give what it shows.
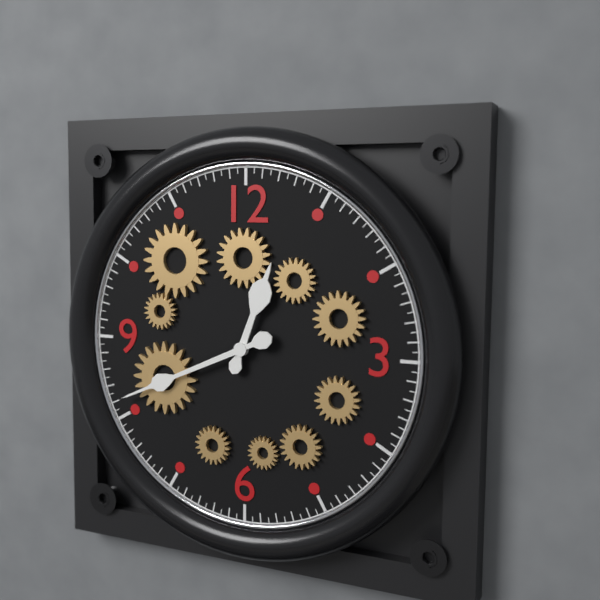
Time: {"hour": 12, "minute": 41}
